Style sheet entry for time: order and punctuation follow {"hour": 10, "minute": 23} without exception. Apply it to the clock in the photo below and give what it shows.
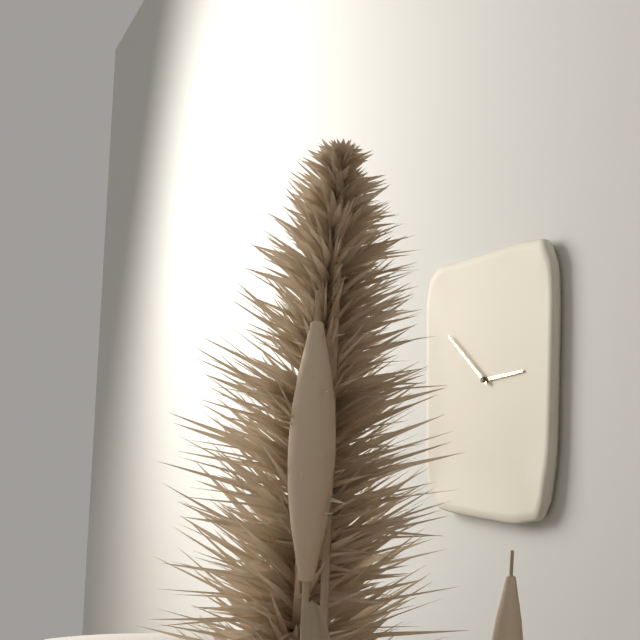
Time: {"hour": 2, "minute": 51}
